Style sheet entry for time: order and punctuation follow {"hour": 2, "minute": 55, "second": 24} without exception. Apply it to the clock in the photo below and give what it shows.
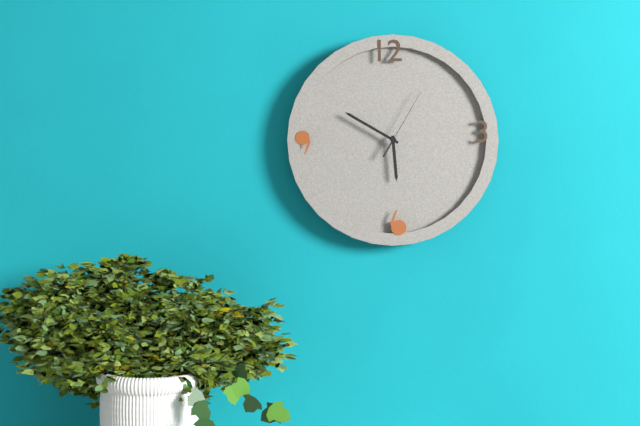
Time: {"hour": 5, "minute": 50, "second": 5}
